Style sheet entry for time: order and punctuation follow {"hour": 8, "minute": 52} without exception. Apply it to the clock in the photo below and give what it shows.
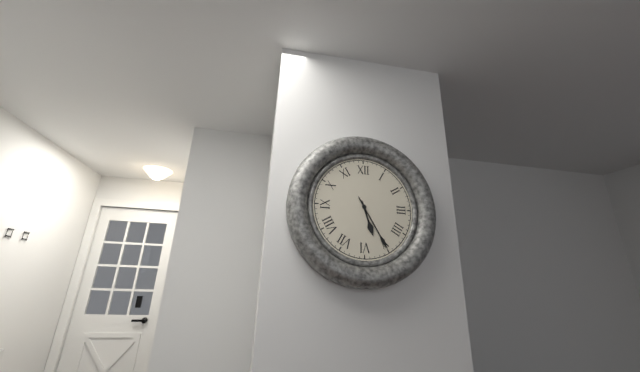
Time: {"hour": 5, "minute": 25}
